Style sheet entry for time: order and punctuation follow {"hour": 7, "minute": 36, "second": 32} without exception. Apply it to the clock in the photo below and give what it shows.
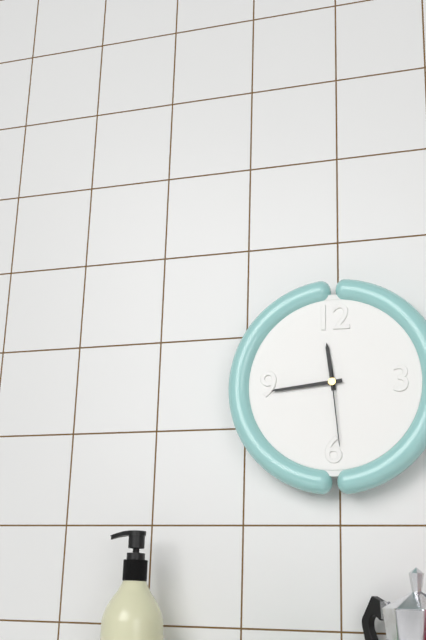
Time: {"hour": 11, "minute": 44, "second": 29}
